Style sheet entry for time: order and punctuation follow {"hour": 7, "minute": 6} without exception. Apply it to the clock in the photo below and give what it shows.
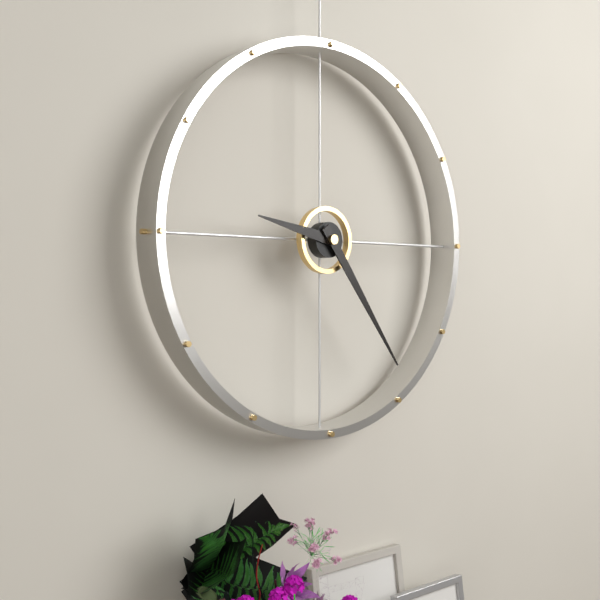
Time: {"hour": 9, "minute": 24}
